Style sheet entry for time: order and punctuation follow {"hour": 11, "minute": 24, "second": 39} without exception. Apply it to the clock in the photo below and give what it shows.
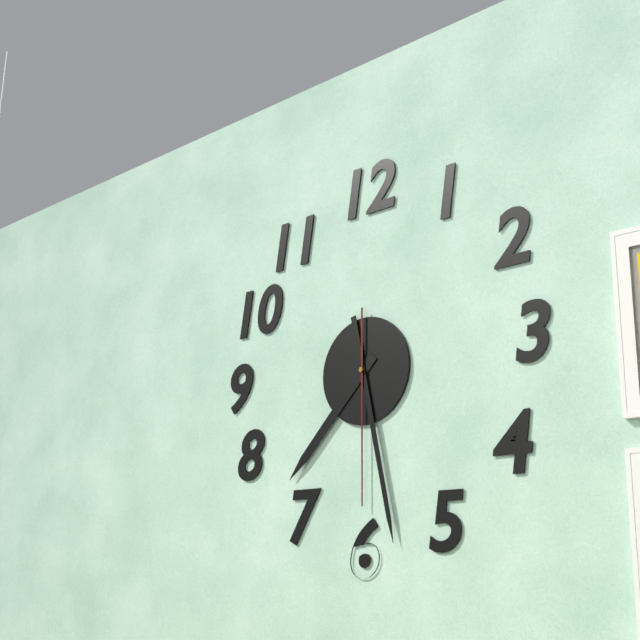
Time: {"hour": 7, "minute": 28, "second": 30}
